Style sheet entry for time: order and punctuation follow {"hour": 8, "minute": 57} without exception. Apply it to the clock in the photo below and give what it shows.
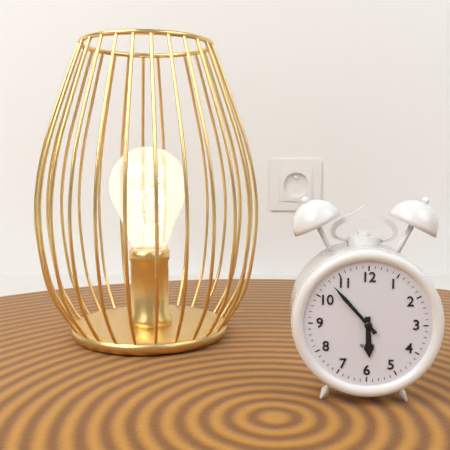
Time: {"hour": 5, "minute": 53}
